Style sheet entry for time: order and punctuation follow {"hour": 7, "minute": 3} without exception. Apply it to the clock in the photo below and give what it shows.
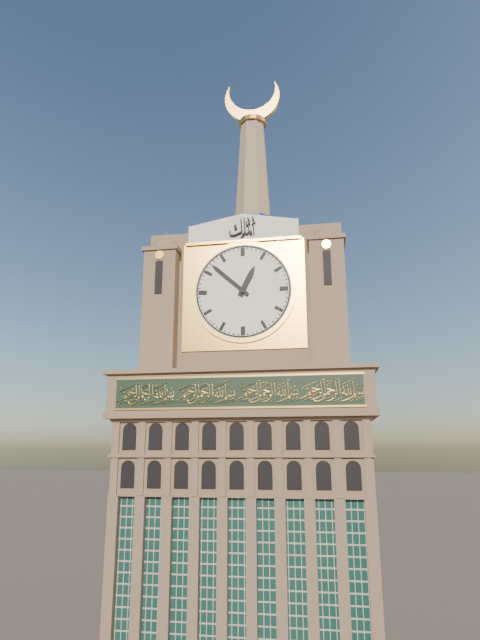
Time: {"hour": 12, "minute": 52}
